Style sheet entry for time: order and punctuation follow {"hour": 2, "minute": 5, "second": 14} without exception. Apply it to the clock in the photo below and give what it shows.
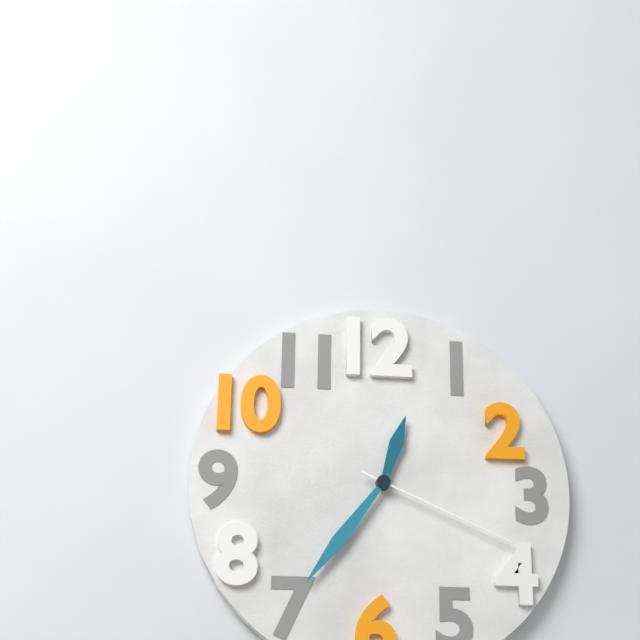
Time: {"hour": 12, "minute": 36, "second": 19}
